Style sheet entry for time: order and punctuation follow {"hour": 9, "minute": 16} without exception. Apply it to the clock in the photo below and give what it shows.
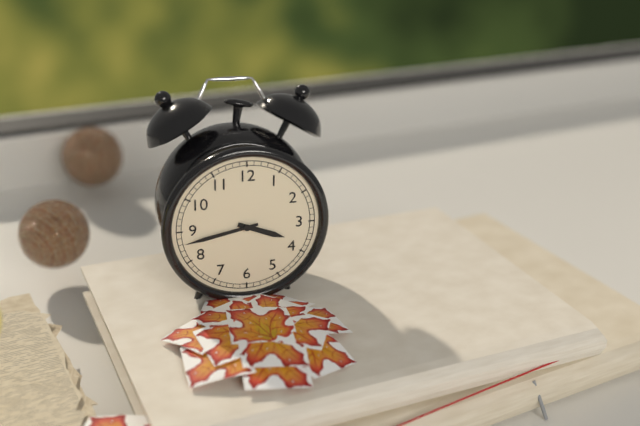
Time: {"hour": 3, "minute": 43}
